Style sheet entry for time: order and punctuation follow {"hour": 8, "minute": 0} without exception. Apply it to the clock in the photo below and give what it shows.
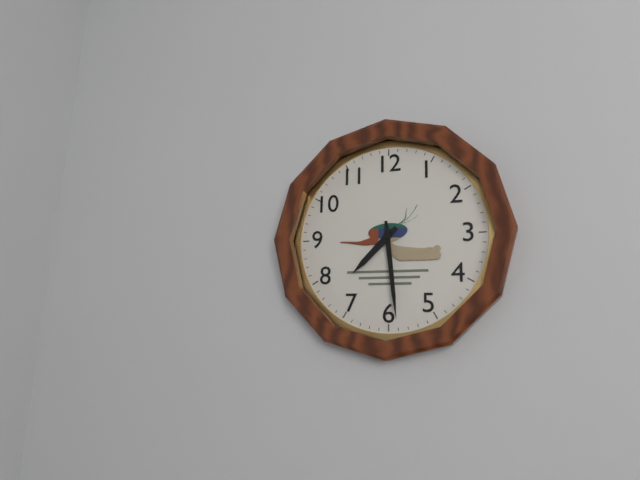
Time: {"hour": 7, "minute": 29}
